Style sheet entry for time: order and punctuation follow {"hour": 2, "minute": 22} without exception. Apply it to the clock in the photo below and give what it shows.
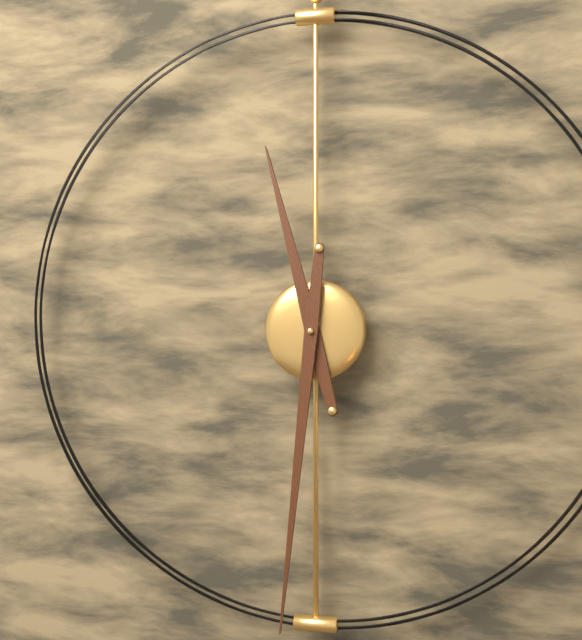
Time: {"hour": 11, "minute": 31}
